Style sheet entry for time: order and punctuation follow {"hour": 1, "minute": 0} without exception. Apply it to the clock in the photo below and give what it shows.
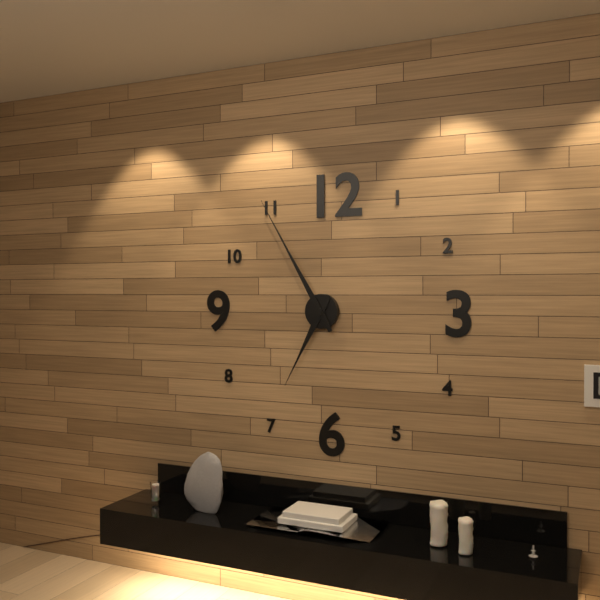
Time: {"hour": 6, "minute": 55}
